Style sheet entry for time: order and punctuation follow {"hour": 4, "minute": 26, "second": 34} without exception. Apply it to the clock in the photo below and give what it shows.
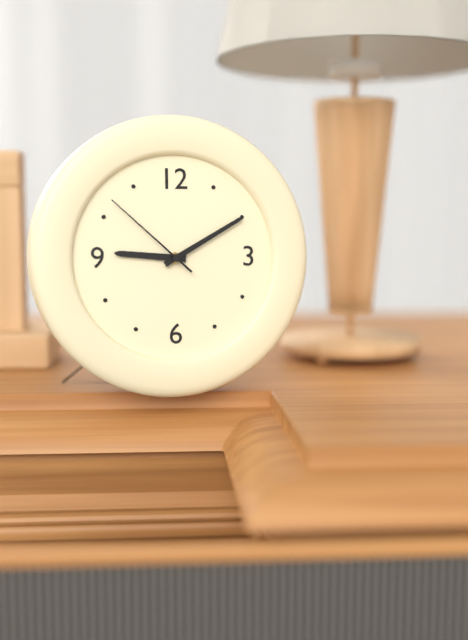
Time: {"hour": 9, "minute": 10, "second": 52}
